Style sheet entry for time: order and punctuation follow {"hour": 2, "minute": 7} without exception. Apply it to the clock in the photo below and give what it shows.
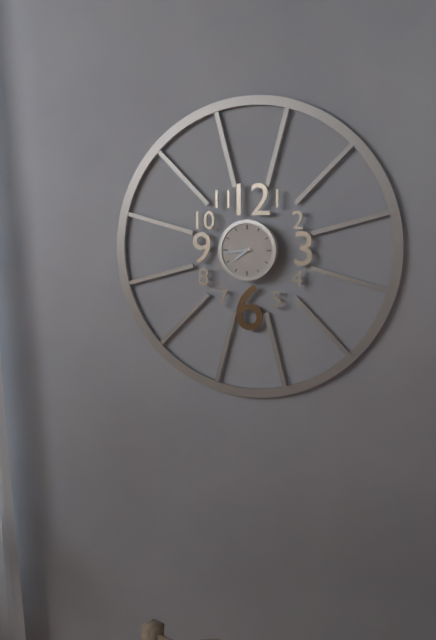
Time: {"hour": 7, "minute": 44}
